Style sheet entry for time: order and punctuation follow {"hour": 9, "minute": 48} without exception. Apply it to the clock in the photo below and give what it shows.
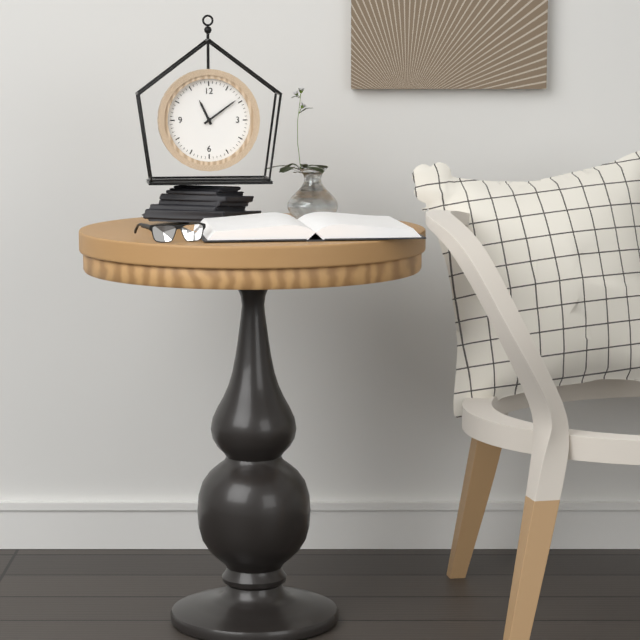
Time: {"hour": 11, "minute": 9}
